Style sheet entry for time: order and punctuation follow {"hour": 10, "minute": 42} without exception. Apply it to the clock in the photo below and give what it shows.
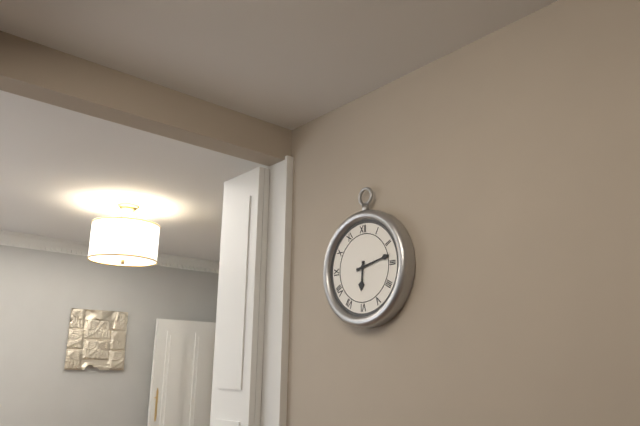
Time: {"hour": 6, "minute": 13}
